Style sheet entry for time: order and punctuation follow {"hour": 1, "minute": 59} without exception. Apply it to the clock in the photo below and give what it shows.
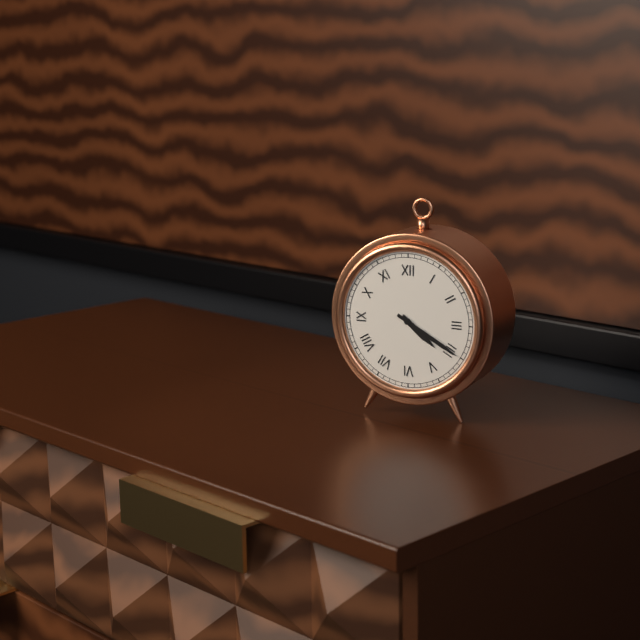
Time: {"hour": 4, "minute": 20}
